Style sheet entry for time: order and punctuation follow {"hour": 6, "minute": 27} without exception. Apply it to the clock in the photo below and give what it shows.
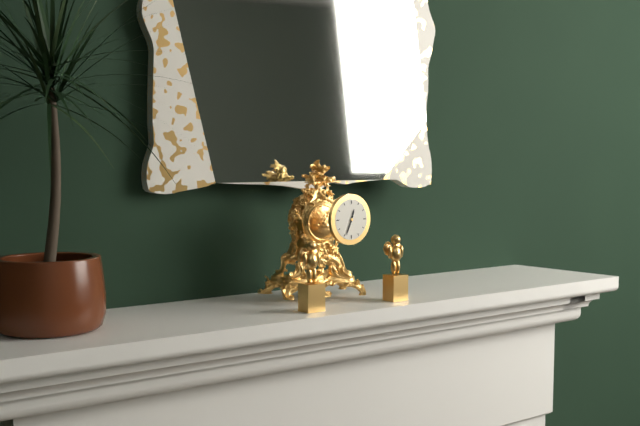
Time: {"hour": 12, "minute": 34}
